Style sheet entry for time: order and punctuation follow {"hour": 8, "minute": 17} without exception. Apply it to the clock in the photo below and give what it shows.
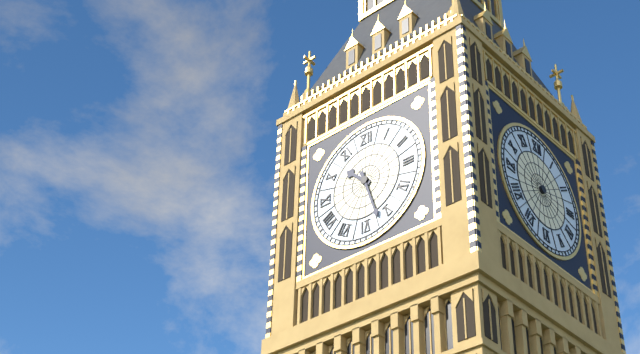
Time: {"hour": 10, "minute": 27}
